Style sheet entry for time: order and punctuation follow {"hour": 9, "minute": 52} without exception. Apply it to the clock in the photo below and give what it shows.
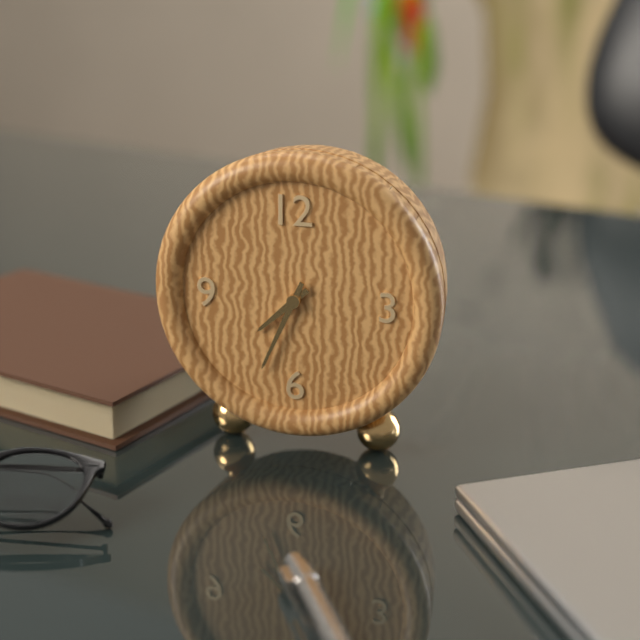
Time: {"hour": 7, "minute": 34}
